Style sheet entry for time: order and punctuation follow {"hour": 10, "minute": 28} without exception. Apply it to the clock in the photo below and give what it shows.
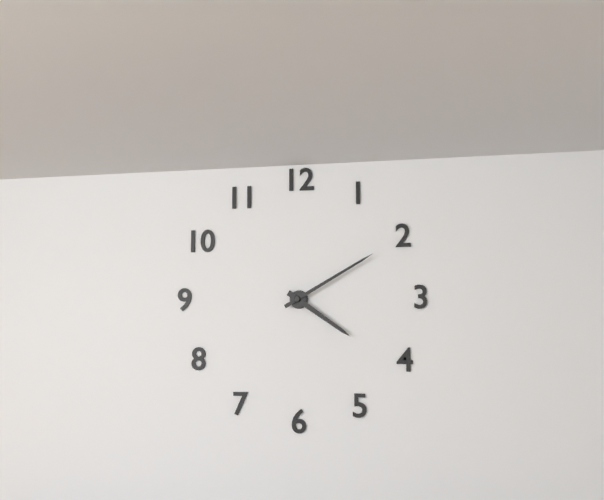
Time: {"hour": 4, "minute": 10}
